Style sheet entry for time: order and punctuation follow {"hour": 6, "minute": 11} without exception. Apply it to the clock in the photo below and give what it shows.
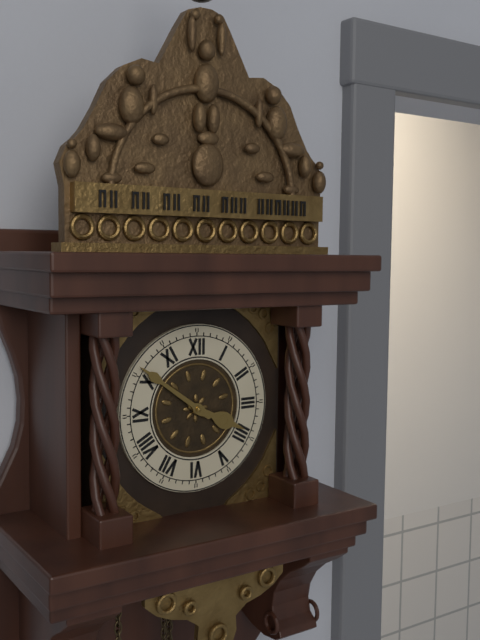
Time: {"hour": 3, "minute": 51}
